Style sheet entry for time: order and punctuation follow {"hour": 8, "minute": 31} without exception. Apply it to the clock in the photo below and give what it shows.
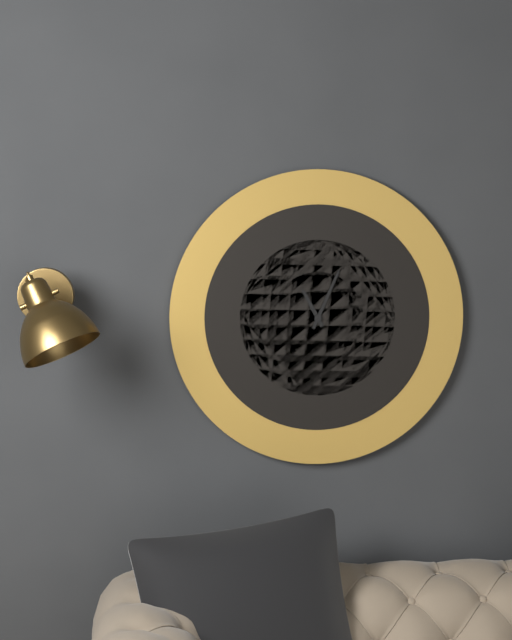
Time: {"hour": 11, "minute": 4}
